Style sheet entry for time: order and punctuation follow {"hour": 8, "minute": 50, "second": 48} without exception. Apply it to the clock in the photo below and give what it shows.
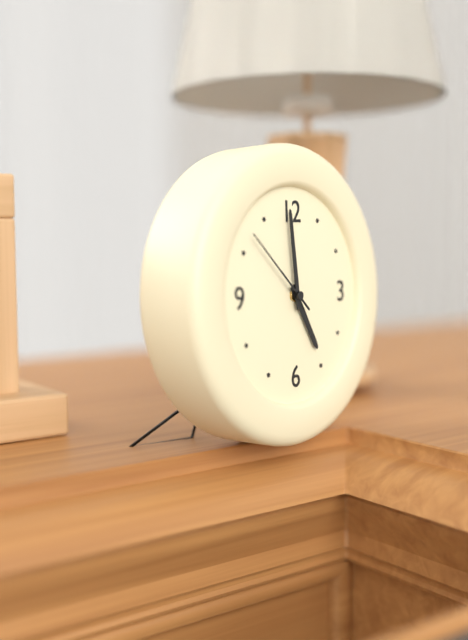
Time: {"hour": 4, "minute": 59, "second": 52}
